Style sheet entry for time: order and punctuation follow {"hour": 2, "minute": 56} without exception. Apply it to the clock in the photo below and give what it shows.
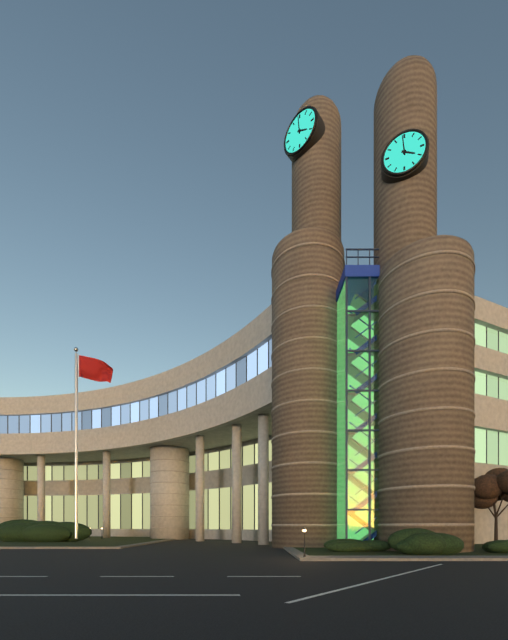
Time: {"hour": 3, "minute": 59}
